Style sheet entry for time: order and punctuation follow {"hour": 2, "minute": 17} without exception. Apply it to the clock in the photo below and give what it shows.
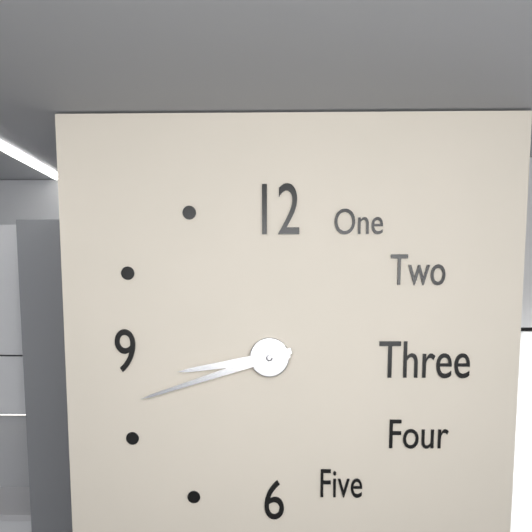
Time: {"hour": 8, "minute": 42}
